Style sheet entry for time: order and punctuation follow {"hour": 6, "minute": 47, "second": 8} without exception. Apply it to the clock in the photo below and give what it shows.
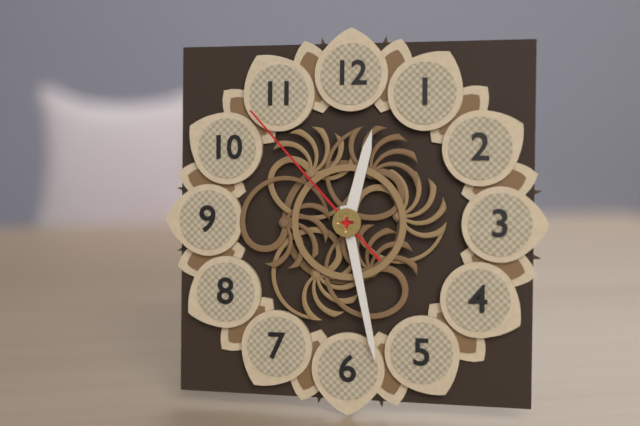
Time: {"hour": 12, "minute": 28, "second": 53}
